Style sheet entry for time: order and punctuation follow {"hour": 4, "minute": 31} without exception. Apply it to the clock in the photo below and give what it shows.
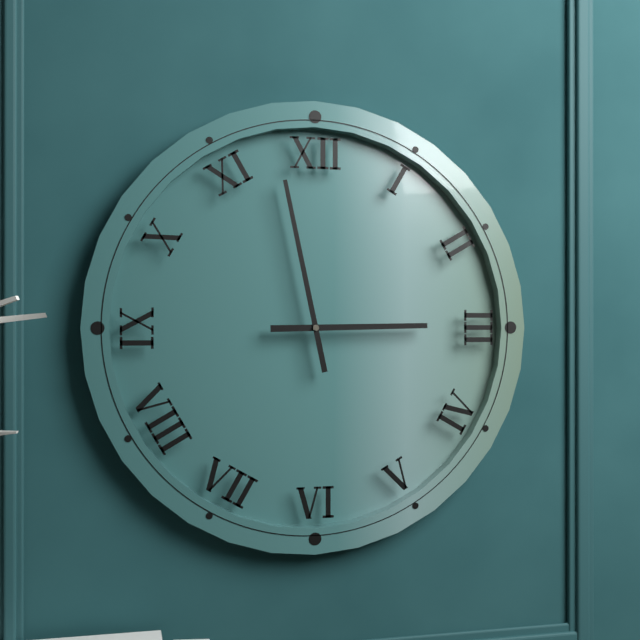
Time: {"hour": 2, "minute": 58}
